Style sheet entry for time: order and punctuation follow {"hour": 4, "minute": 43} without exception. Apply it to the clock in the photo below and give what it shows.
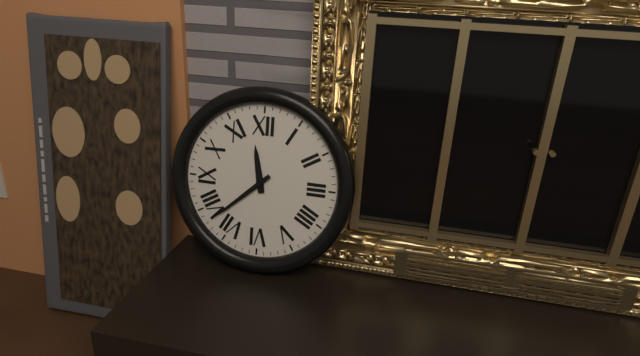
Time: {"hour": 11, "minute": 38}
